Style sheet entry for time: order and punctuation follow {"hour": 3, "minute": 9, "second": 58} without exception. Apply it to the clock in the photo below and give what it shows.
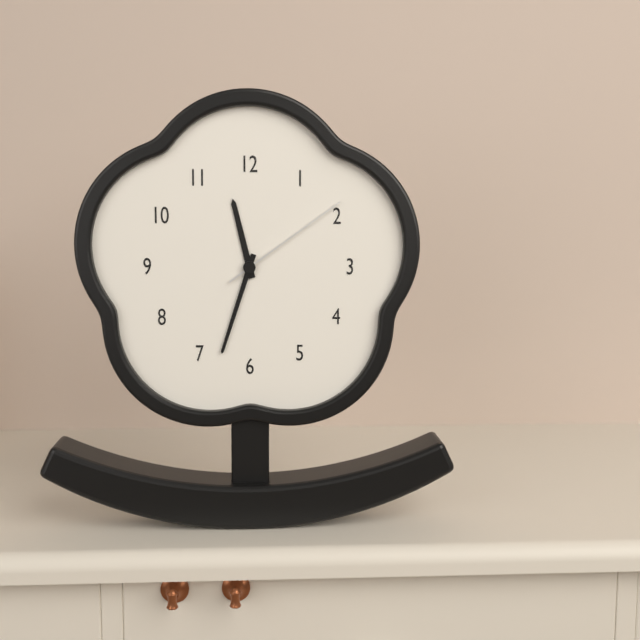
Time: {"hour": 11, "minute": 33, "second": 9}
